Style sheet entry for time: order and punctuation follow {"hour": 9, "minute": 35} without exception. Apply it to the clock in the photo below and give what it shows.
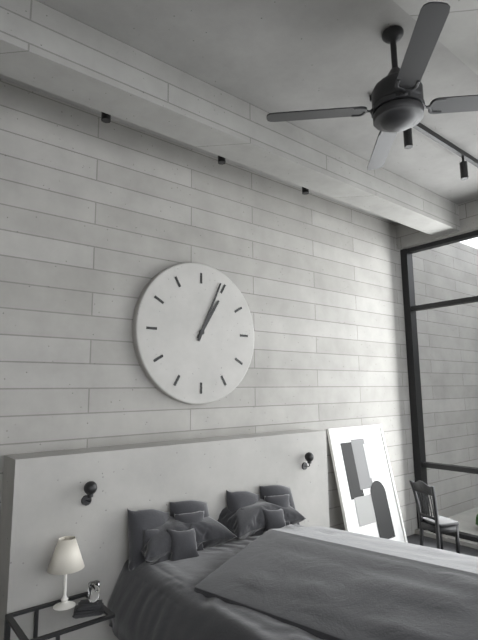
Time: {"hour": 1, "minute": 4}
